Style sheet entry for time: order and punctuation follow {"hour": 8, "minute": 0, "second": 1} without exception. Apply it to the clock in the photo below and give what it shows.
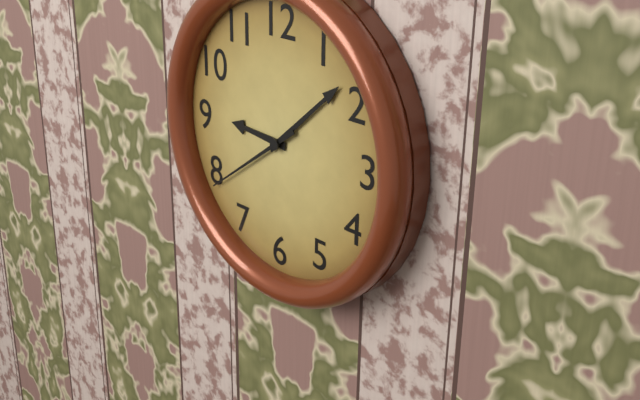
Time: {"hour": 9, "minute": 8, "second": 39}
